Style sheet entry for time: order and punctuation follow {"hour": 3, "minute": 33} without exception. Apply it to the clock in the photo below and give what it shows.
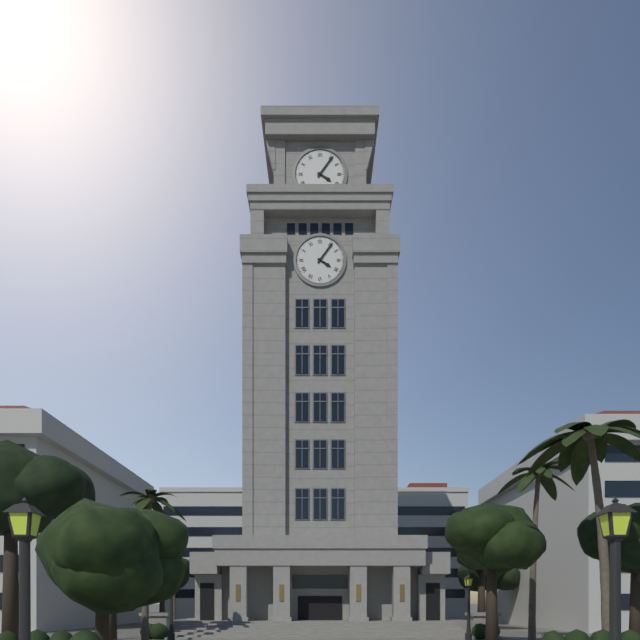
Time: {"hour": 4, "minute": 6}
